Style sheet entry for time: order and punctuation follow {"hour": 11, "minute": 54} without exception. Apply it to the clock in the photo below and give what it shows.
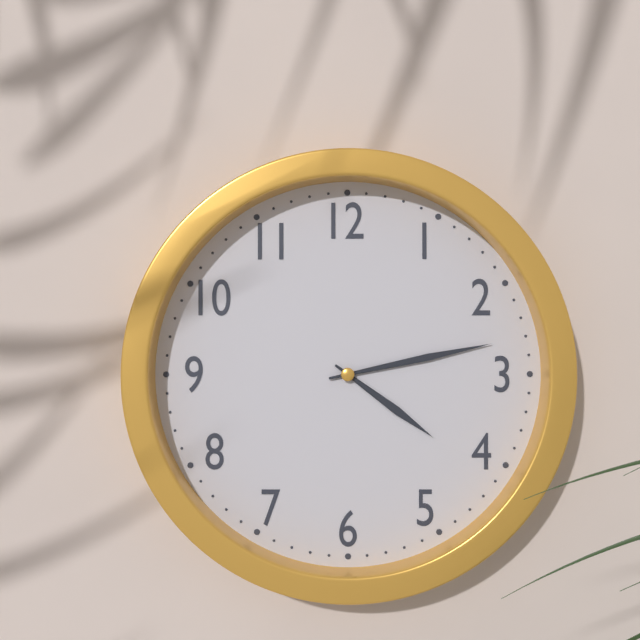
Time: {"hour": 4, "minute": 13}
